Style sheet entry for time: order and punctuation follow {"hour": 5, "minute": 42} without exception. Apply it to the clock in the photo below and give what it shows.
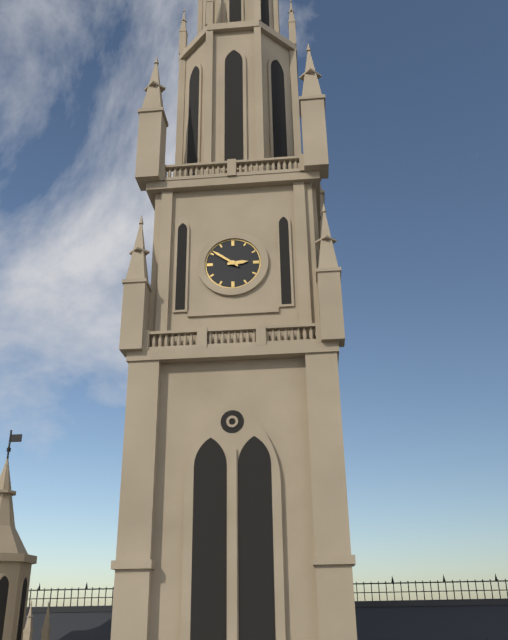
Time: {"hour": 2, "minute": 51}
